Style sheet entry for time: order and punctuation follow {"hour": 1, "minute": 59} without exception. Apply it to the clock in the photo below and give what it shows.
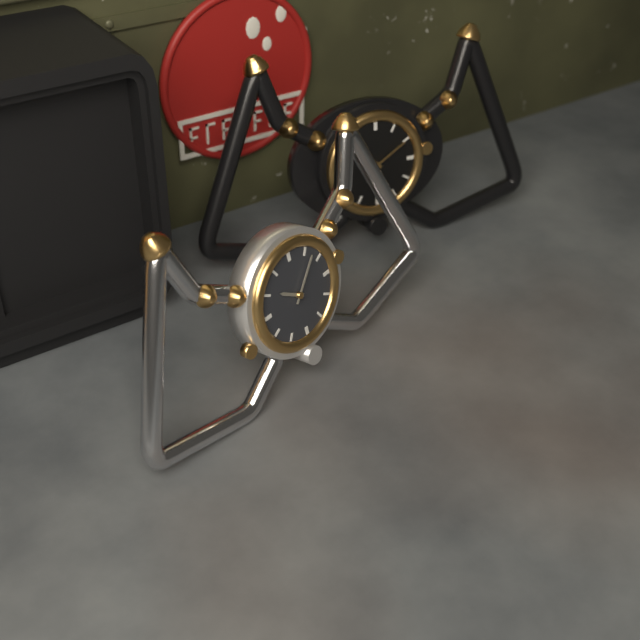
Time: {"hour": 10, "minute": 7}
